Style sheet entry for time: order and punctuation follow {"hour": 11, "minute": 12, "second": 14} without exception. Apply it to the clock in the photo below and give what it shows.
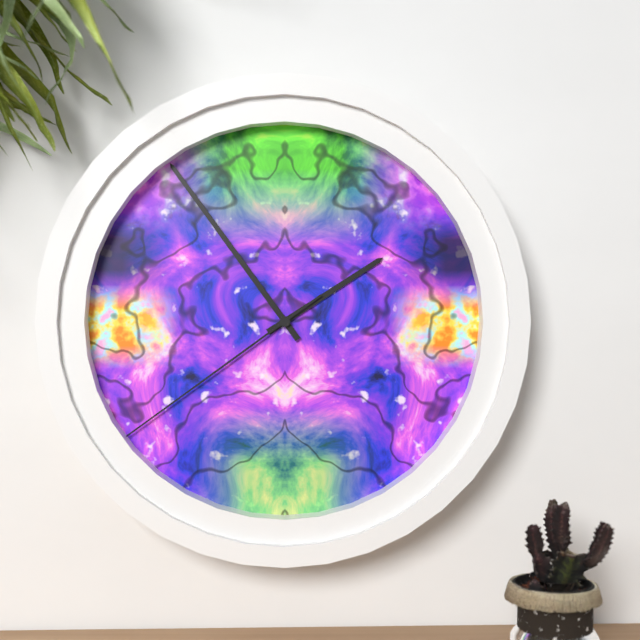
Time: {"hour": 1, "minute": 54, "second": 39}
